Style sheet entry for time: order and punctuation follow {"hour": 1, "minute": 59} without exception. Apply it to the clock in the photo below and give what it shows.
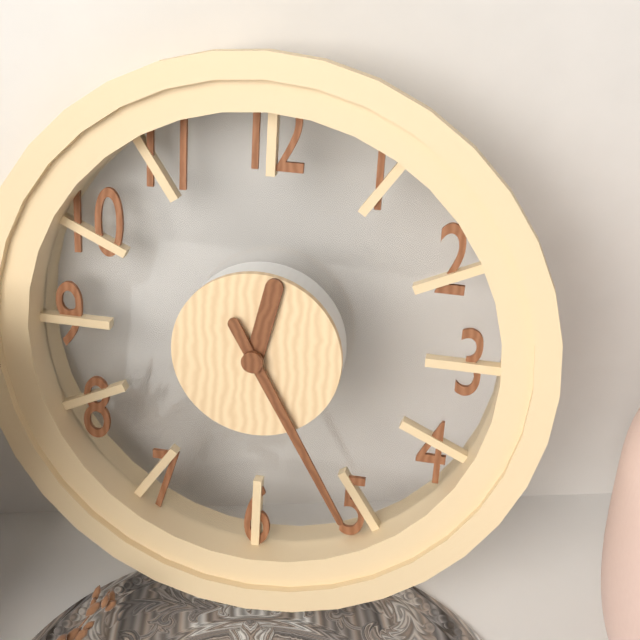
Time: {"hour": 12, "minute": 25}
